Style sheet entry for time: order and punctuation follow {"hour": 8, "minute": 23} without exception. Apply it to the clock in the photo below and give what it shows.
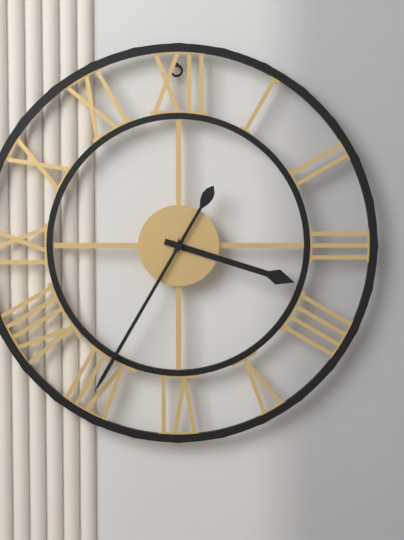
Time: {"hour": 3, "minute": 35}
